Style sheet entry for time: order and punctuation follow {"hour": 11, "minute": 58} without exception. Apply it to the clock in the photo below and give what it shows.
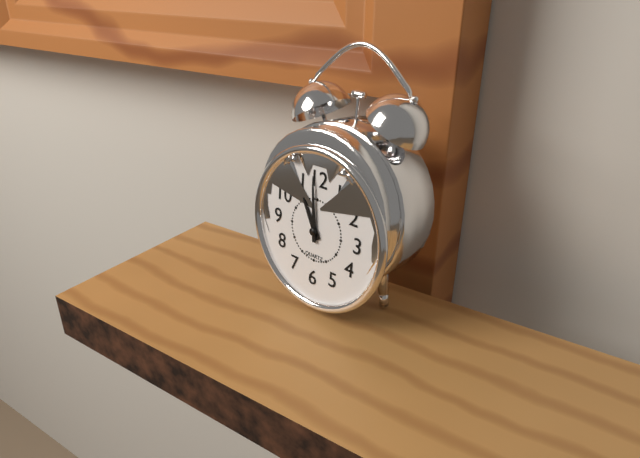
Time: {"hour": 10, "minute": 59}
